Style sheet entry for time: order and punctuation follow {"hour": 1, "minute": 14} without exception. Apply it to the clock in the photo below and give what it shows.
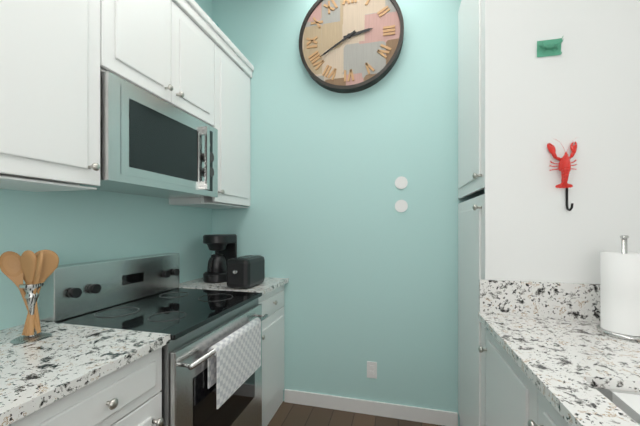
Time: {"hour": 2, "minute": 40}
